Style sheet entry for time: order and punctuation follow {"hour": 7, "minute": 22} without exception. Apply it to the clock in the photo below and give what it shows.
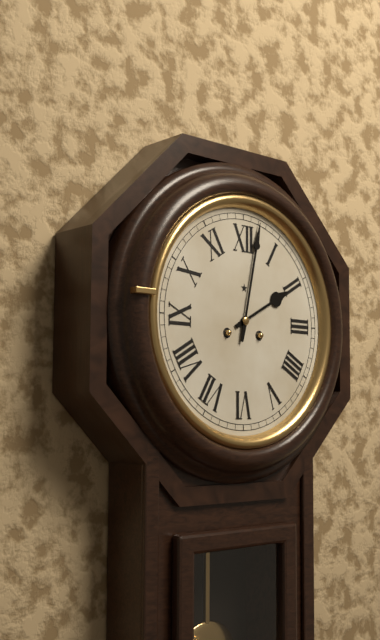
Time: {"hour": 2, "minute": 2}
